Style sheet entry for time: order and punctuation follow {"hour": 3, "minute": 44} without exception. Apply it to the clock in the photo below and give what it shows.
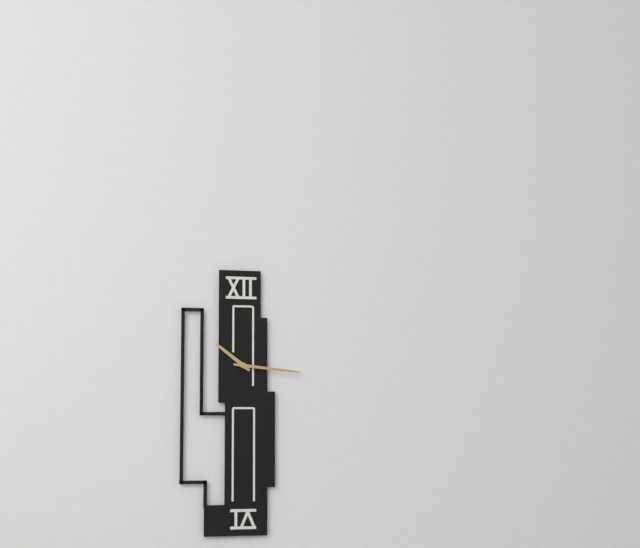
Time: {"hour": 10, "minute": 16}
